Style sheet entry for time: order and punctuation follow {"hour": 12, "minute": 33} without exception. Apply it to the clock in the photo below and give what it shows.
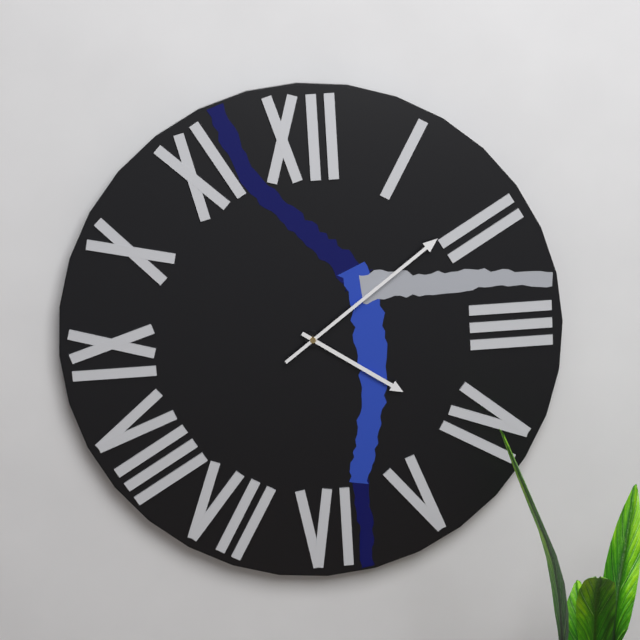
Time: {"hour": 4, "minute": 9}
